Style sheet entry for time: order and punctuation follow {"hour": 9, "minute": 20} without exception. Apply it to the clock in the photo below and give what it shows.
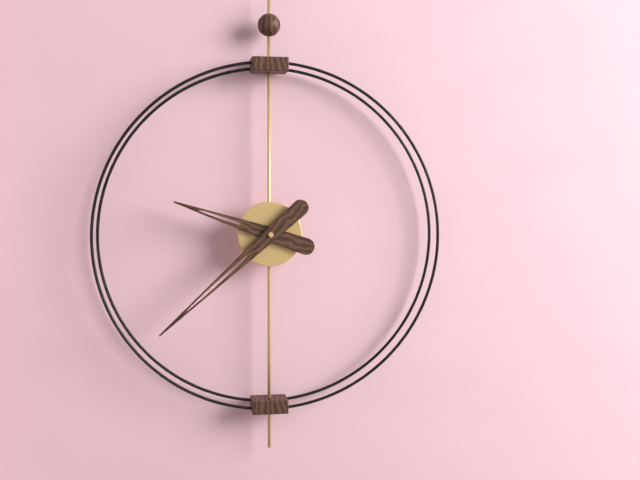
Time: {"hour": 9, "minute": 38}
